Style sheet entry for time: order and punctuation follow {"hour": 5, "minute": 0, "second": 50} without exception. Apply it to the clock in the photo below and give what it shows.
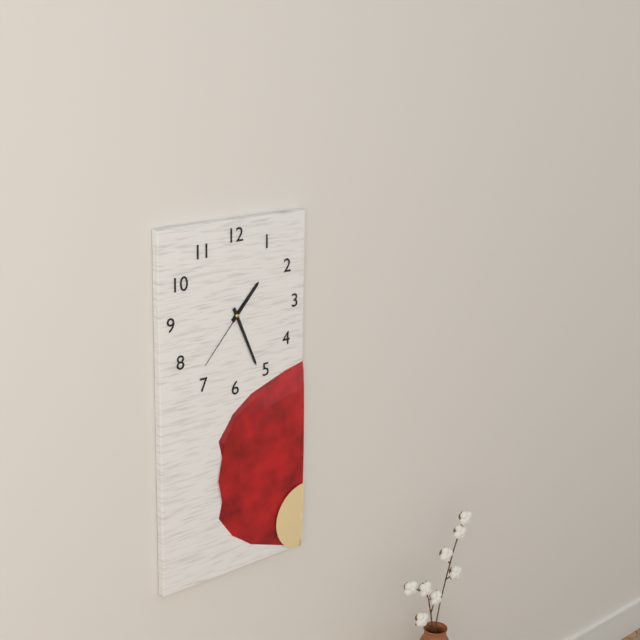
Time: {"hour": 1, "minute": 26, "second": 37}
